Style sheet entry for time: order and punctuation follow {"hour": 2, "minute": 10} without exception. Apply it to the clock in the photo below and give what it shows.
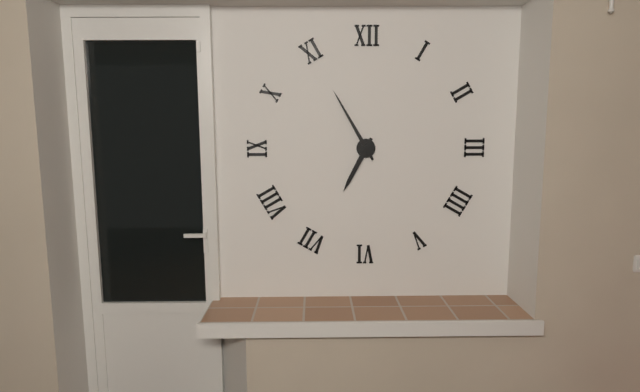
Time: {"hour": 6, "minute": 55}
